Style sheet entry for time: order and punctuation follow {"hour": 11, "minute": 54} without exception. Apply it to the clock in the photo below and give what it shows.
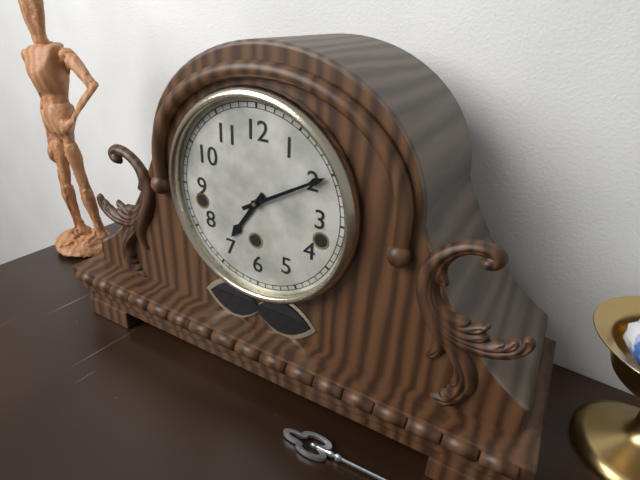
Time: {"hour": 7, "minute": 10}
